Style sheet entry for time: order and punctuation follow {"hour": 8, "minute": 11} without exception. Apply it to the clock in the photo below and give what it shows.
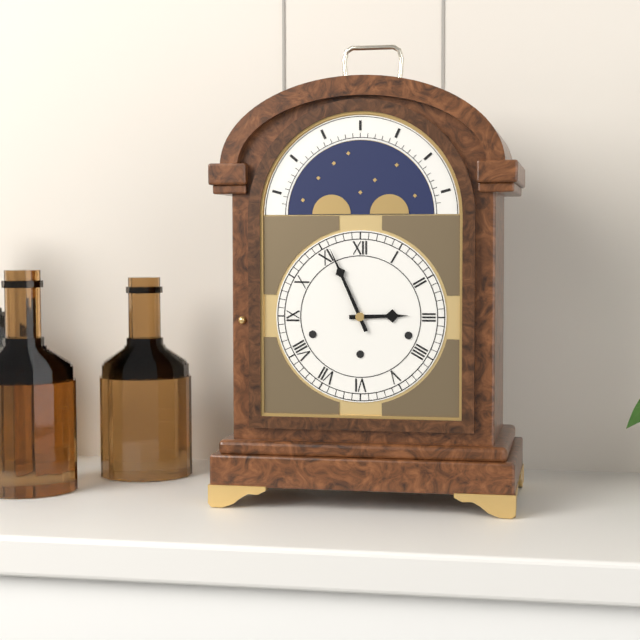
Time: {"hour": 2, "minute": 56}
